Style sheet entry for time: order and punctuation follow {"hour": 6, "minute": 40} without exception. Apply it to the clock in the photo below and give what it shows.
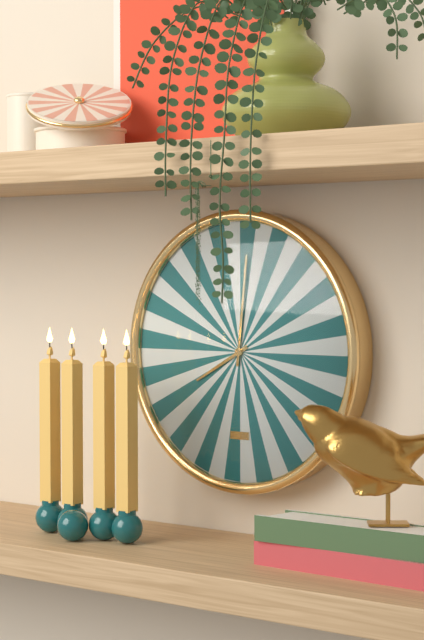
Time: {"hour": 8, "minute": 1}
